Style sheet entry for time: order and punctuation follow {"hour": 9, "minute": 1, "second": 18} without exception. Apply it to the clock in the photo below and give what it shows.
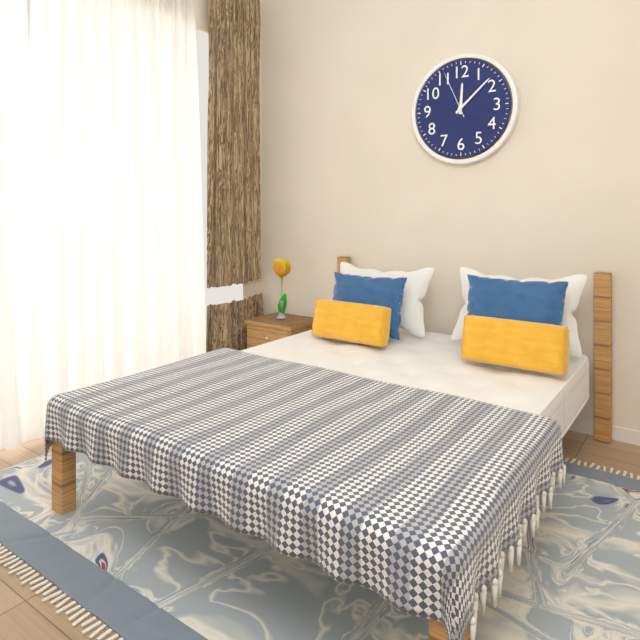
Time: {"hour": 12, "minute": 8, "second": 56}
